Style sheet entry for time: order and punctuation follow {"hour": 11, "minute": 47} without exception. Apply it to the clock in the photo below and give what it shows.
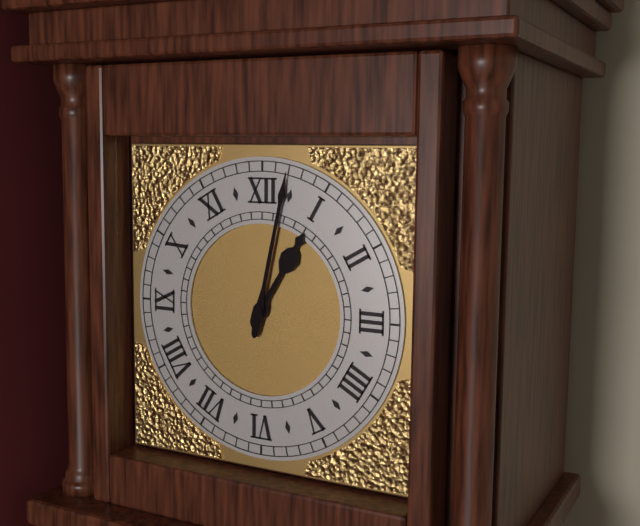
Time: {"hour": 1, "minute": 2}
